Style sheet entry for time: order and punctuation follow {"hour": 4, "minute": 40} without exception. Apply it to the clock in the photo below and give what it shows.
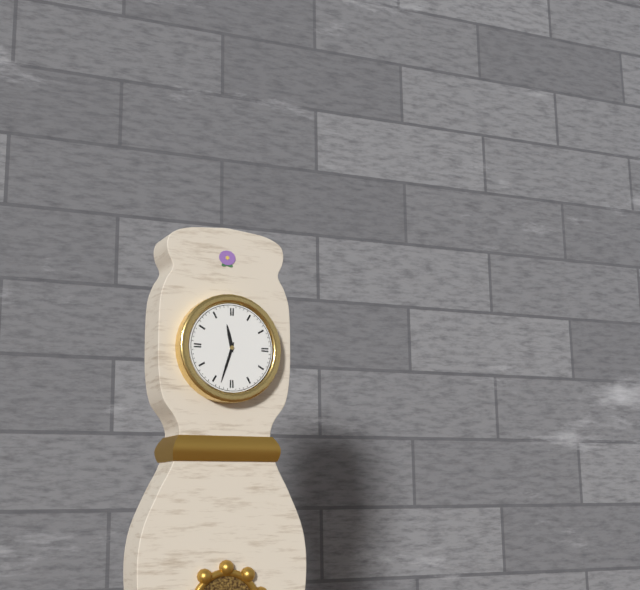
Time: {"hour": 11, "minute": 33}
